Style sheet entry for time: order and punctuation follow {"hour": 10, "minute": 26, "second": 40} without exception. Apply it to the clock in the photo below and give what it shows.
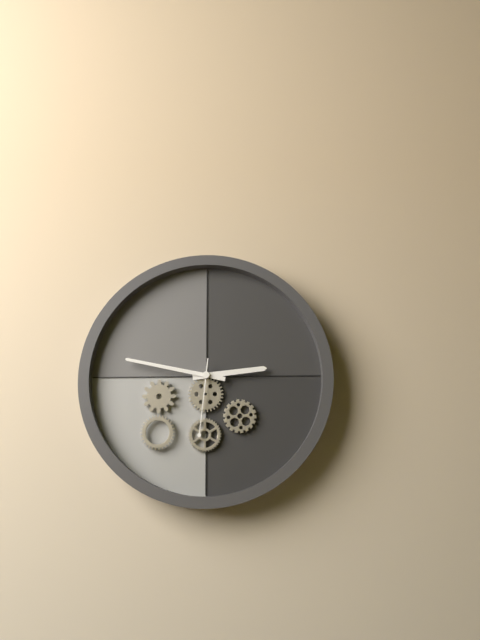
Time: {"hour": 2, "minute": 47, "second": 31}
